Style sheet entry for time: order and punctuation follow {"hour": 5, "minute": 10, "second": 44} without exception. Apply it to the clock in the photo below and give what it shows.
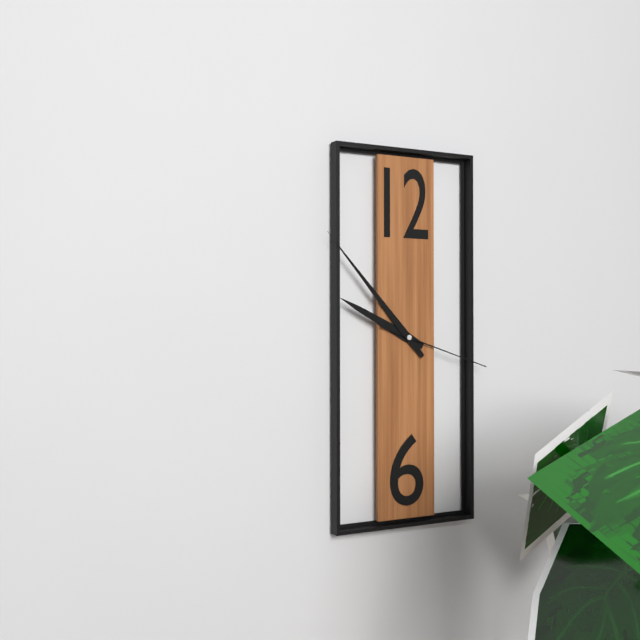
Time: {"hour": 9, "minute": 53, "second": 18}
